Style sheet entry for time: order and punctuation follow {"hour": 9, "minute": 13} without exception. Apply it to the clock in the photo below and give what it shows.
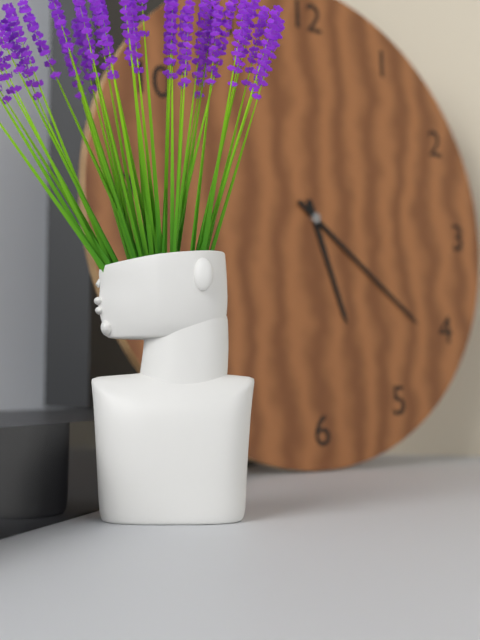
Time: {"hour": 5, "minute": 21}
